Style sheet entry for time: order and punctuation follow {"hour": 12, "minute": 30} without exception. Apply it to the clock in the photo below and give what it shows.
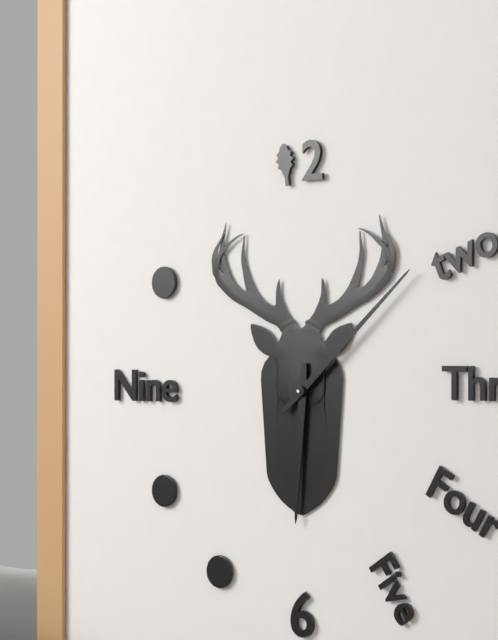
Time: {"hour": 6, "minute": 8}
